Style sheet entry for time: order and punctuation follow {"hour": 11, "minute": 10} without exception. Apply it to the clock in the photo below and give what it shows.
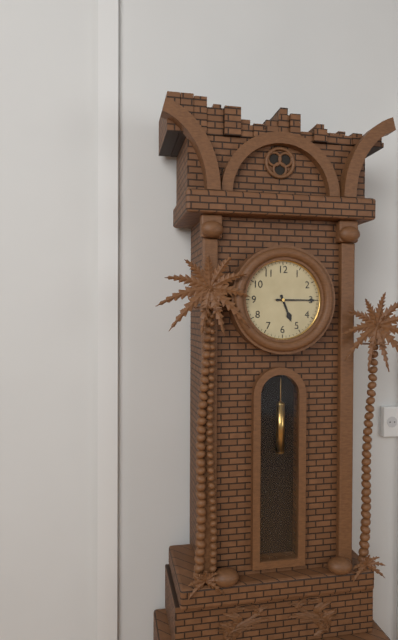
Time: {"hour": 5, "minute": 15}
